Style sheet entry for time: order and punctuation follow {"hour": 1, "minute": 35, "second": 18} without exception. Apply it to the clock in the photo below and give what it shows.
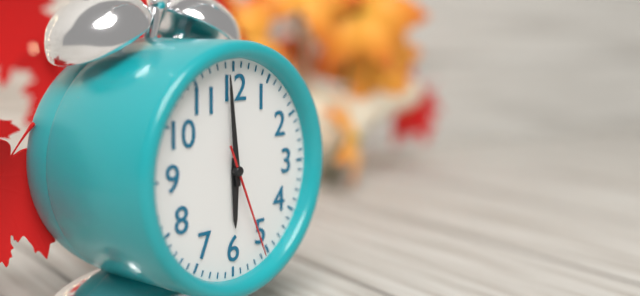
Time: {"hour": 5, "minute": 59, "second": 26}
